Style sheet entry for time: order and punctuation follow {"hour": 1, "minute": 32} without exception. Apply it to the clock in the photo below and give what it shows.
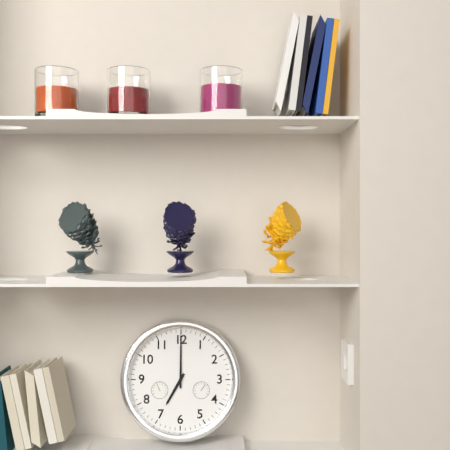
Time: {"hour": 7, "minute": 0}
